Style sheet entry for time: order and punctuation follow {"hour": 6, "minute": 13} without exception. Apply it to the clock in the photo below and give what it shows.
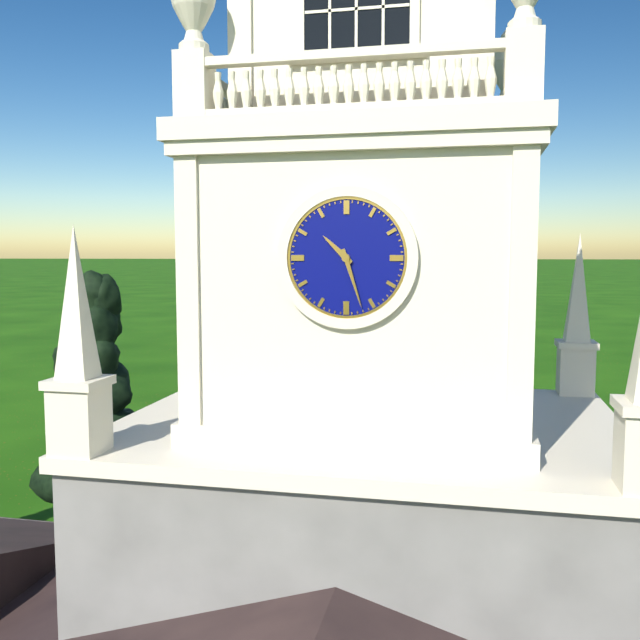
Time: {"hour": 10, "minute": 27}
